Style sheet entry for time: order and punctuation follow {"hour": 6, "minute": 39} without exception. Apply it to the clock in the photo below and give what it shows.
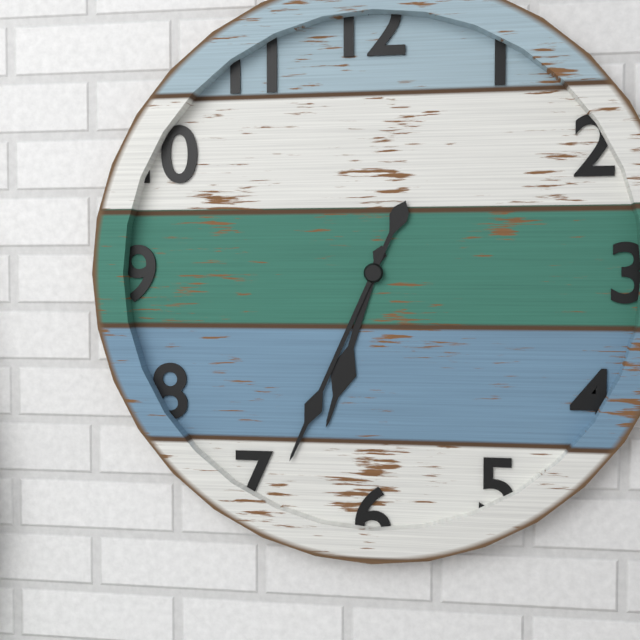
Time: {"hour": 6, "minute": 34}
